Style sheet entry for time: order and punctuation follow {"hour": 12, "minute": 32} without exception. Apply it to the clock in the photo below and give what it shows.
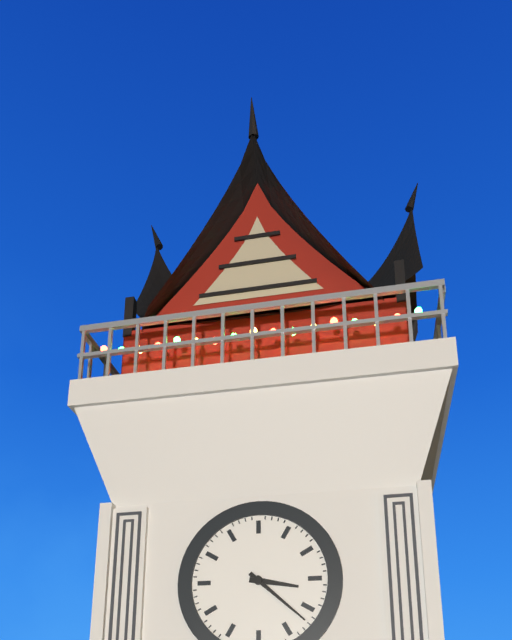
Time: {"hour": 3, "minute": 22}
